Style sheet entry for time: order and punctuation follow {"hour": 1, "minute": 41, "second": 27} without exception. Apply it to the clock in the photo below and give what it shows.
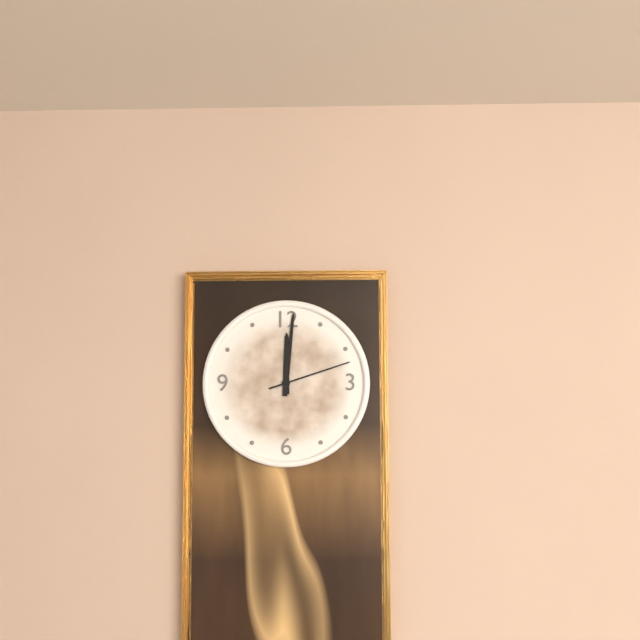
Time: {"hour": 12, "minute": 1, "second": 12}
